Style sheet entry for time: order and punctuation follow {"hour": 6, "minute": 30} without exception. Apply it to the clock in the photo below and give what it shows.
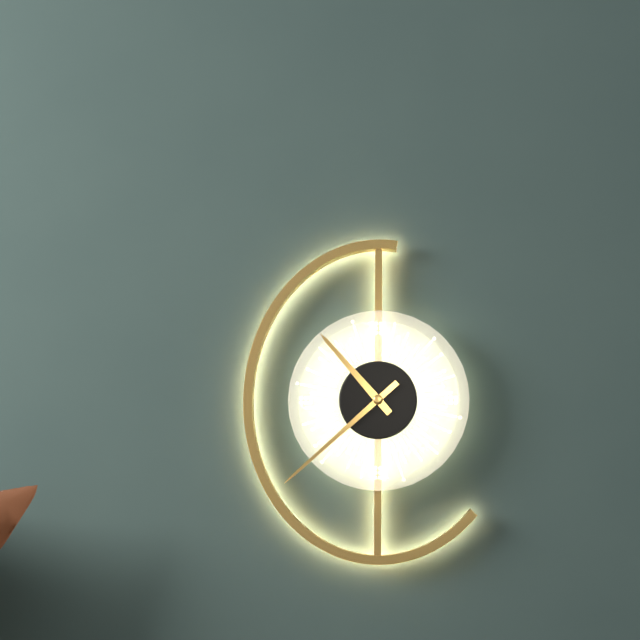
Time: {"hour": 10, "minute": 38}
